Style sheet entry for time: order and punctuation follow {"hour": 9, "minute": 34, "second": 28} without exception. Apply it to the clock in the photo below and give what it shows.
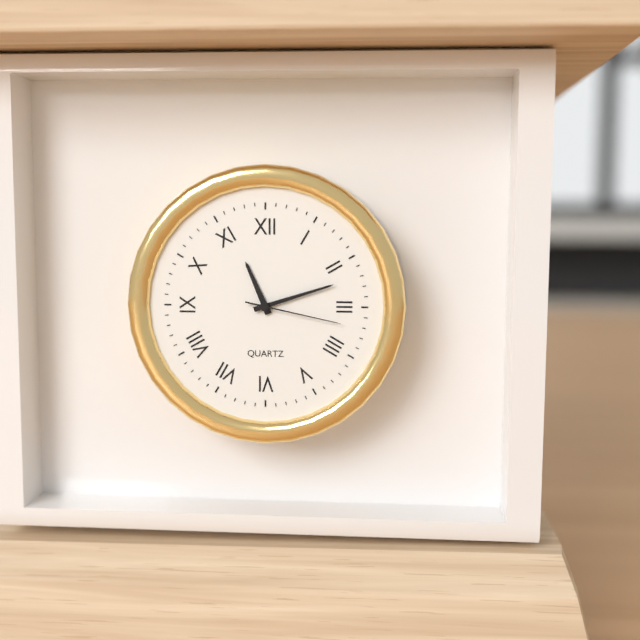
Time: {"hour": 11, "minute": 12, "second": 17}
